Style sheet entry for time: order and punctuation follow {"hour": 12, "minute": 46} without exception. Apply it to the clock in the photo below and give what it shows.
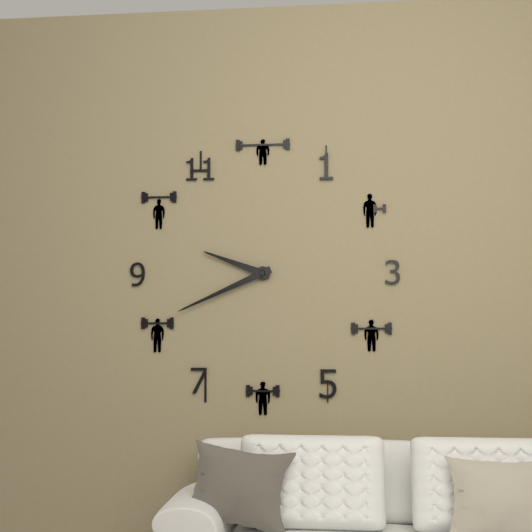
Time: {"hour": 9, "minute": 41}
